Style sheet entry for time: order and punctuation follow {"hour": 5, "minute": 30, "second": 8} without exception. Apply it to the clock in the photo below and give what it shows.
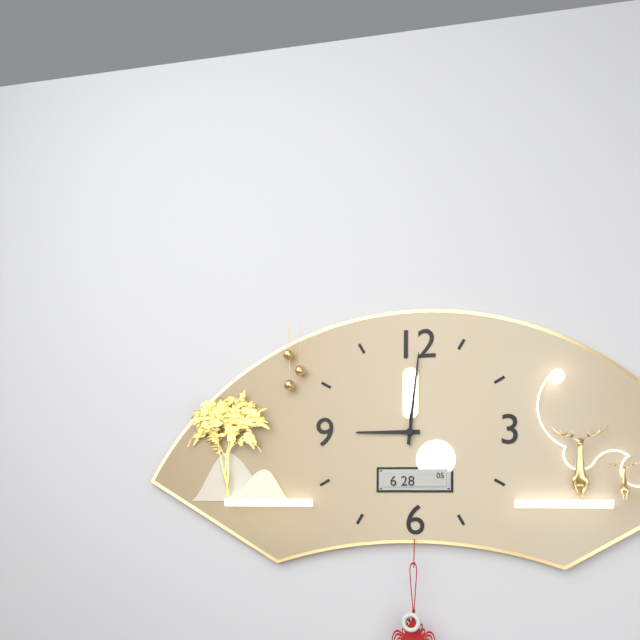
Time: {"hour": 9, "minute": 1, "second": 0}
